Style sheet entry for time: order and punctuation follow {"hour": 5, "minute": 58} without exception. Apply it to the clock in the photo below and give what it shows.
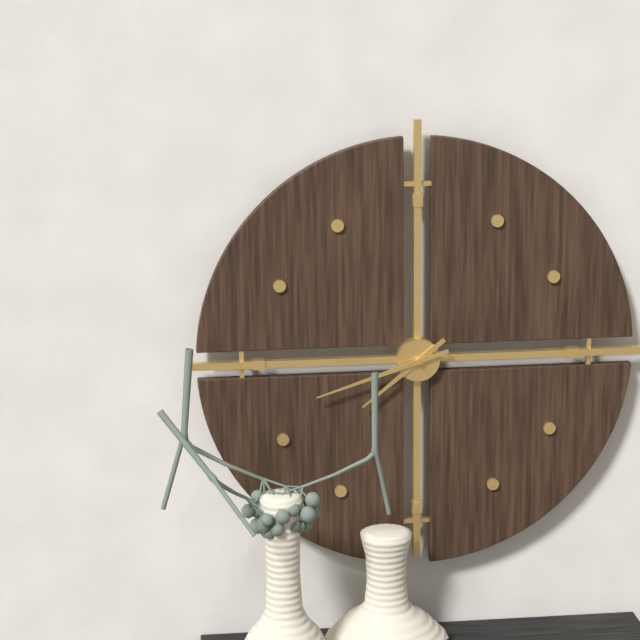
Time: {"hour": 7, "minute": 42}
